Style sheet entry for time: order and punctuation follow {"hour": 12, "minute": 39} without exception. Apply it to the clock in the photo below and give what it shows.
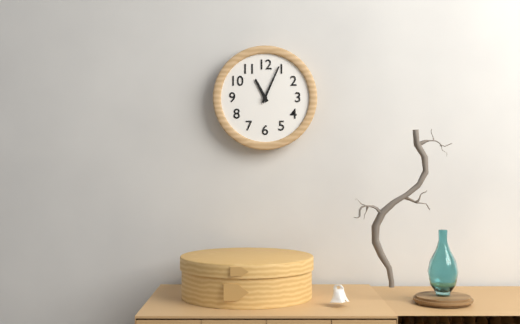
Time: {"hour": 11, "minute": 4}
